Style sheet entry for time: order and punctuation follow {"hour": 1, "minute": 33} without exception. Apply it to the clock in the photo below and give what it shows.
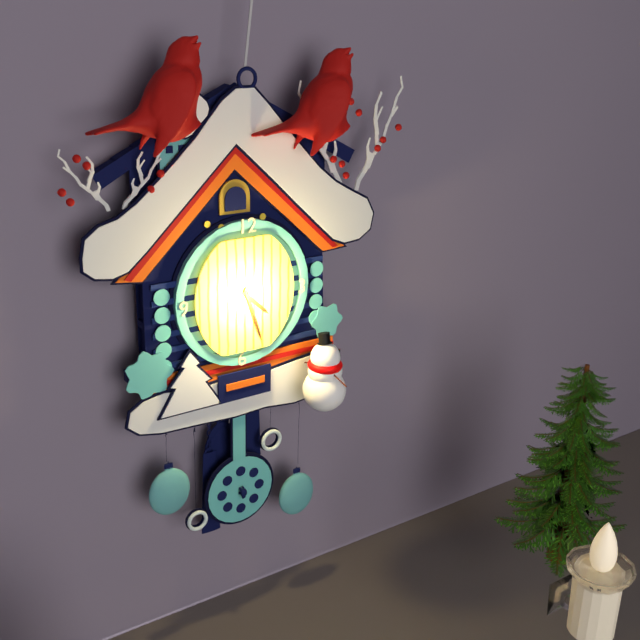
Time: {"hour": 4, "minute": 27}
